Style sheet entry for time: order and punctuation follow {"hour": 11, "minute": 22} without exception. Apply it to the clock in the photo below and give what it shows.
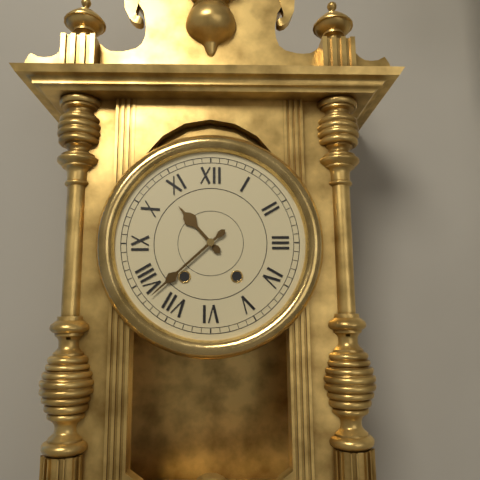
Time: {"hour": 10, "minute": 38}
